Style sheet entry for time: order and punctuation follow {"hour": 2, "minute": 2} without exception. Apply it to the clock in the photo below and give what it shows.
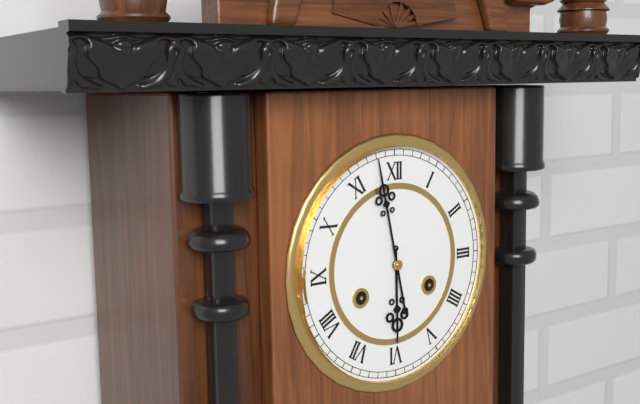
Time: {"hour": 5, "minute": 58}
